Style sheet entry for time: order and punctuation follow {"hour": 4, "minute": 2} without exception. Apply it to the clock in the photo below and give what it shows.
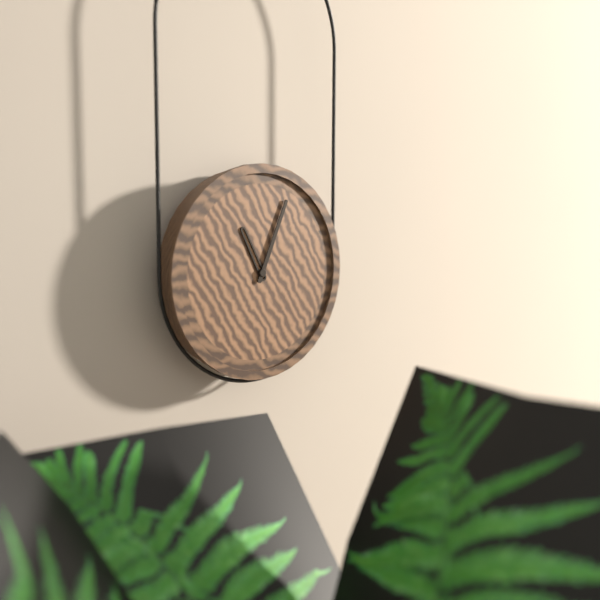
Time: {"hour": 11, "minute": 4}
